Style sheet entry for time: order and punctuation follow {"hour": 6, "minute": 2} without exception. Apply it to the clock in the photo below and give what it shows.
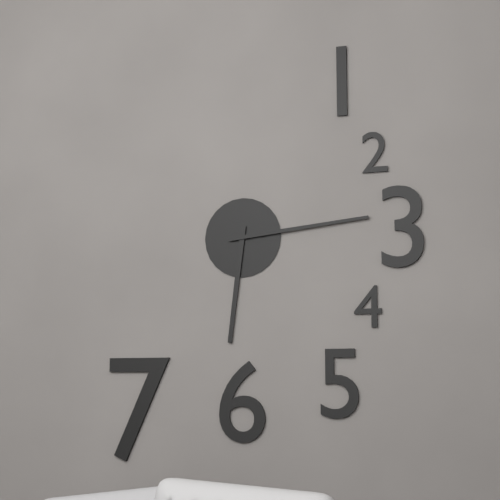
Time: {"hour": 6, "minute": 14}
